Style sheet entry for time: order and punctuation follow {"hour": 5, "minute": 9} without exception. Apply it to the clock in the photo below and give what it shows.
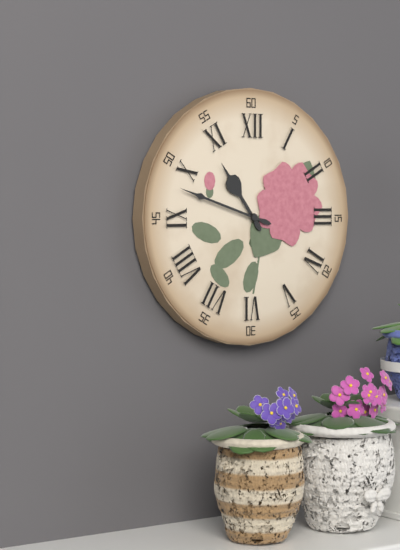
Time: {"hour": 10, "minute": 48}
